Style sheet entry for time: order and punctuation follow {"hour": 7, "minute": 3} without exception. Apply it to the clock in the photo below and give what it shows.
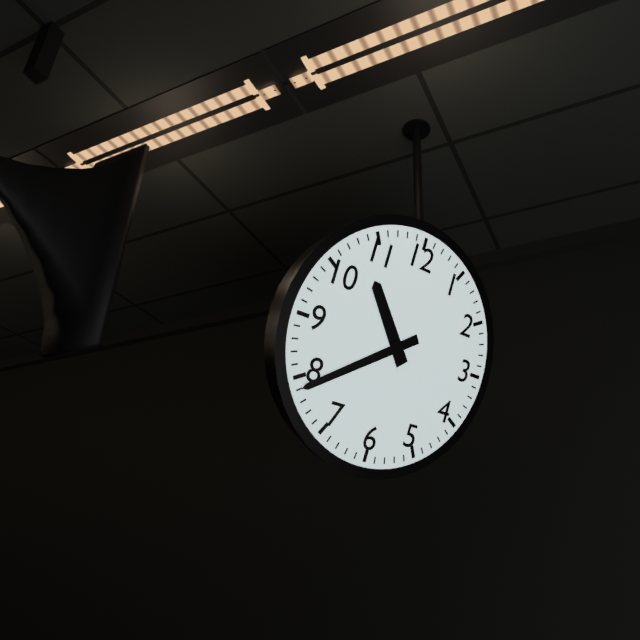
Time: {"hour": 10, "minute": 39}
